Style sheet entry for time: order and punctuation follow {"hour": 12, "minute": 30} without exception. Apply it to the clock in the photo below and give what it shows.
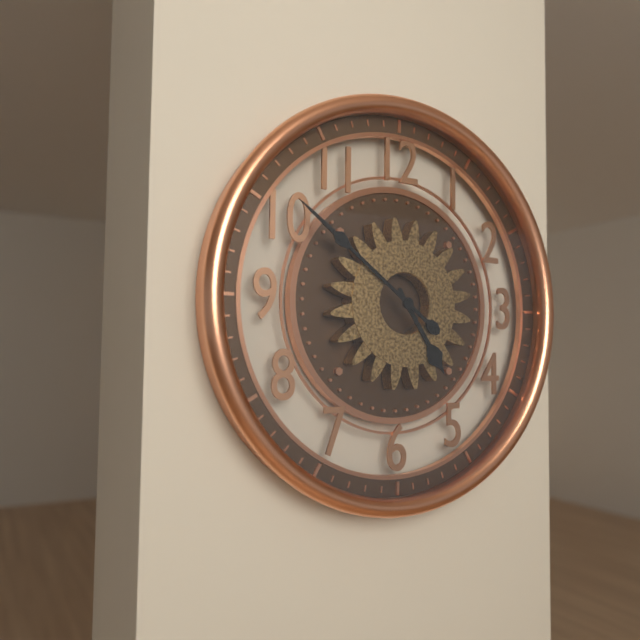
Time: {"hour": 4, "minute": 51}
